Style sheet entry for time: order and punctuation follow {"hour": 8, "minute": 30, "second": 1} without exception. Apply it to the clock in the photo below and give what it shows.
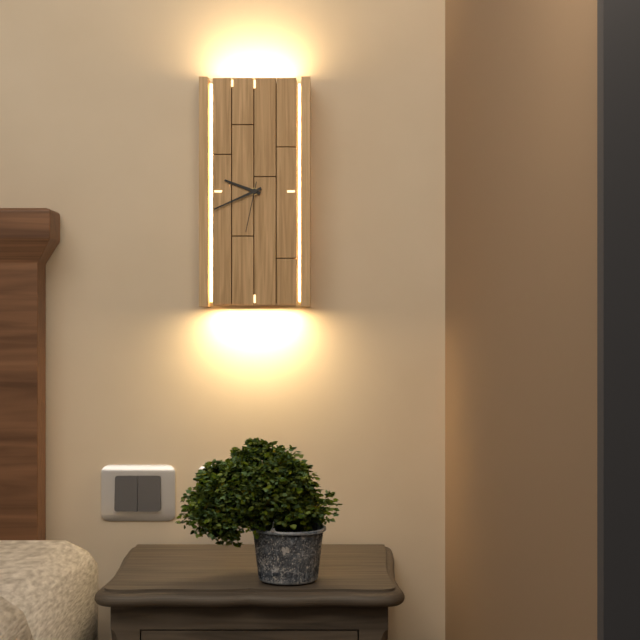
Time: {"hour": 9, "minute": 41, "second": 32}
